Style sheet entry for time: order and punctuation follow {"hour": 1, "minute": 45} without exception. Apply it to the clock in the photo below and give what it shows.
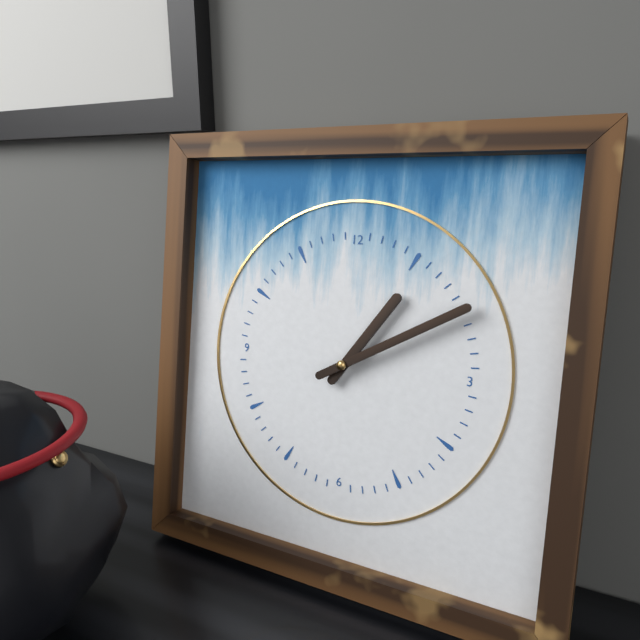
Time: {"hour": 1, "minute": 10}
